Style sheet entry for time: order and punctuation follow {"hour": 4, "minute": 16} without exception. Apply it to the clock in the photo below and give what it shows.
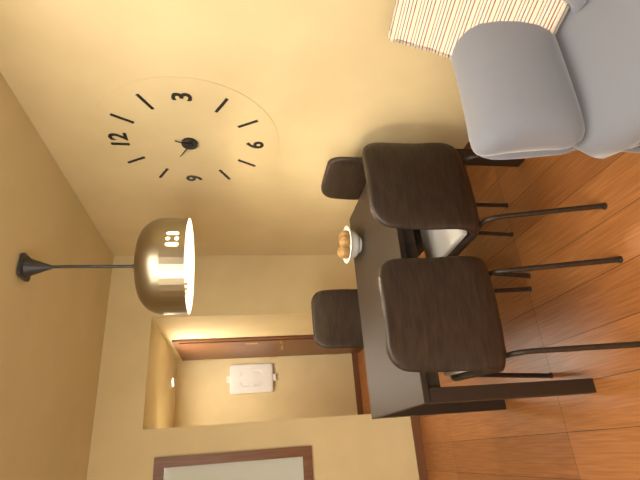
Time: {"hour": 12, "minute": 50}
